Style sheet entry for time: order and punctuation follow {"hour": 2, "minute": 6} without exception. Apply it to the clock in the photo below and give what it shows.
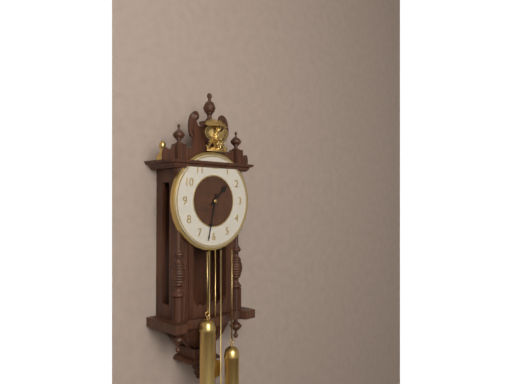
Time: {"hour": 1, "minute": 32}
